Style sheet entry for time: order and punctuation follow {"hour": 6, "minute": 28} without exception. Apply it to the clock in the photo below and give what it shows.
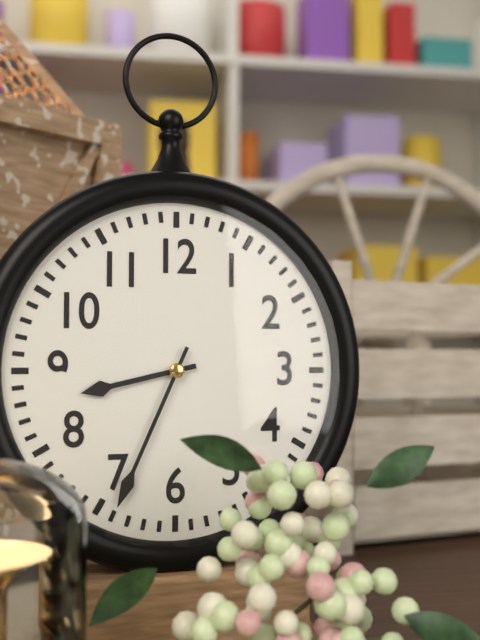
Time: {"hour": 8, "minute": 34}
